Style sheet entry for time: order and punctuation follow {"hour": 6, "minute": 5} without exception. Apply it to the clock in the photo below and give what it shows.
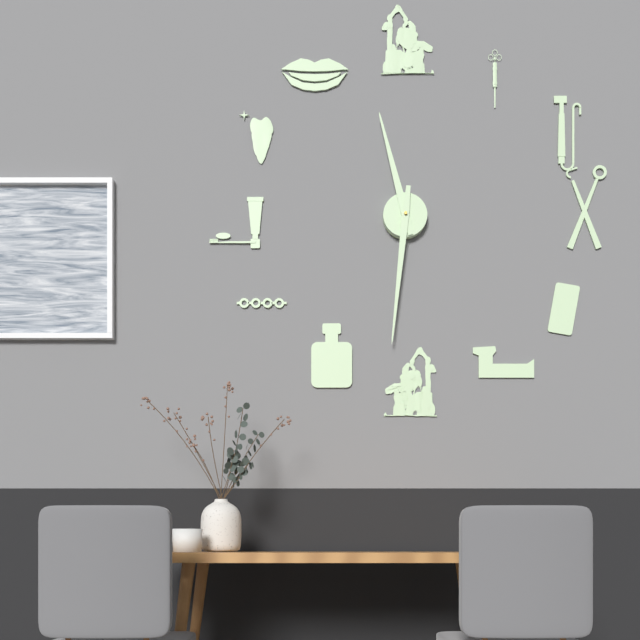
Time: {"hour": 11, "minute": 31}
